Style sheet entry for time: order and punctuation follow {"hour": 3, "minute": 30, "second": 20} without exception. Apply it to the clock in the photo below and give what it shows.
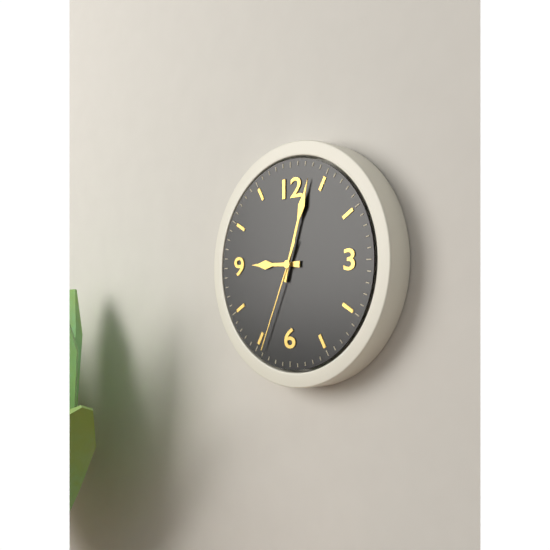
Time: {"hour": 9, "minute": 3, "second": 34}
